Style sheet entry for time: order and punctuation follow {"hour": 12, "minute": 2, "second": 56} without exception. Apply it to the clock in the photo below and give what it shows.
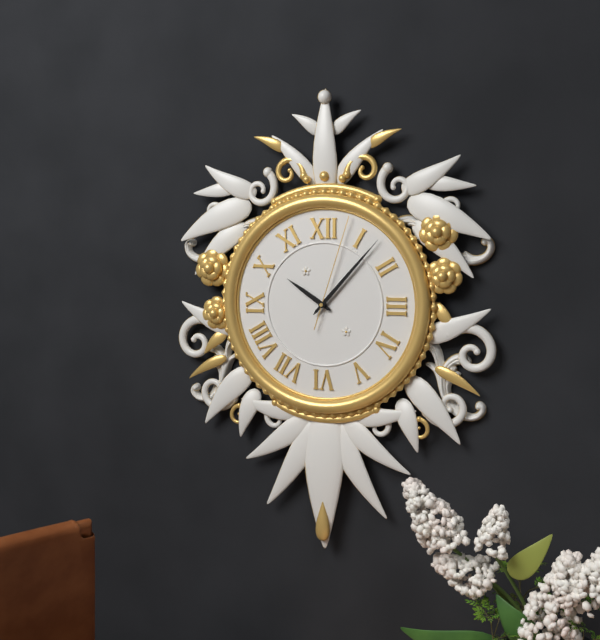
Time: {"hour": 10, "minute": 7, "second": 3}
